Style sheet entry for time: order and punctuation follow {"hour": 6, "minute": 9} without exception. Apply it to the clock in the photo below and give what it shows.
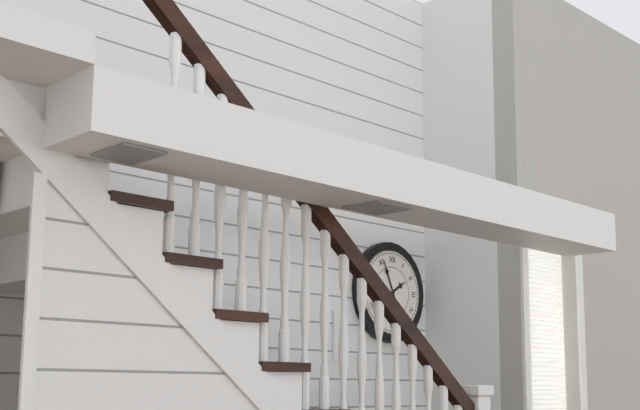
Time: {"hour": 1, "minute": 56}
